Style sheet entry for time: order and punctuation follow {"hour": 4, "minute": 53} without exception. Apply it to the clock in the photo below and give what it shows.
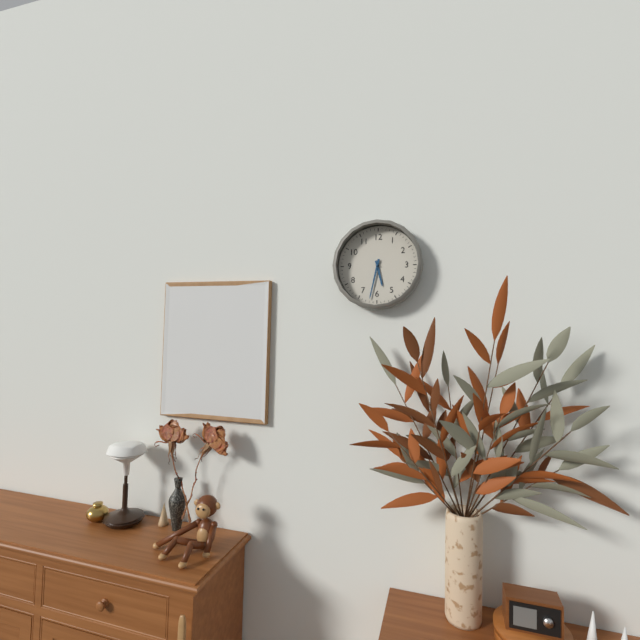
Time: {"hour": 5, "minute": 32}
